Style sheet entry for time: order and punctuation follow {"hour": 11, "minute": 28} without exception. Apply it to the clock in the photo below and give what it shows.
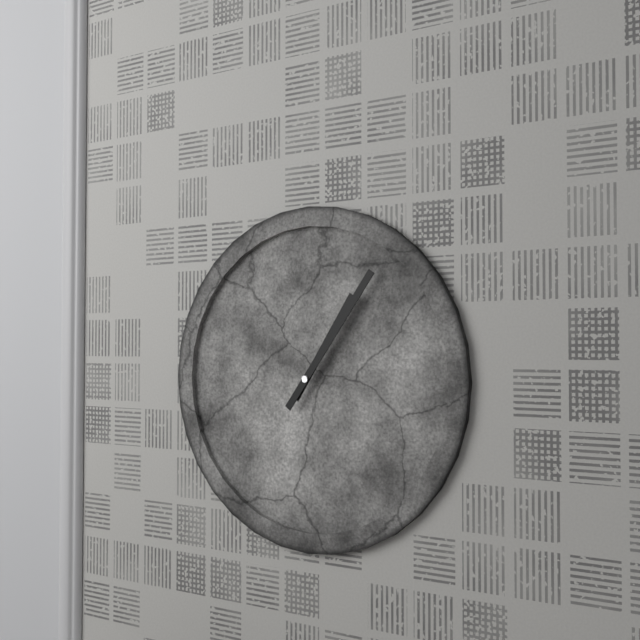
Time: {"hour": 1, "minute": 6}
